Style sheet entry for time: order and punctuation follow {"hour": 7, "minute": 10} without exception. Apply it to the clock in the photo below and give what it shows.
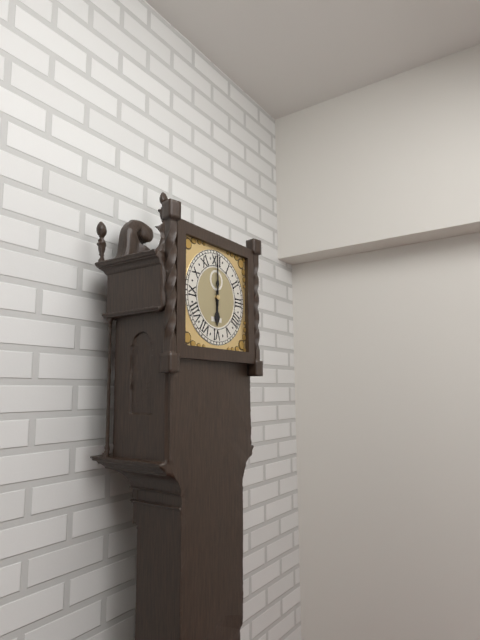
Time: {"hour": 6, "minute": 0}
